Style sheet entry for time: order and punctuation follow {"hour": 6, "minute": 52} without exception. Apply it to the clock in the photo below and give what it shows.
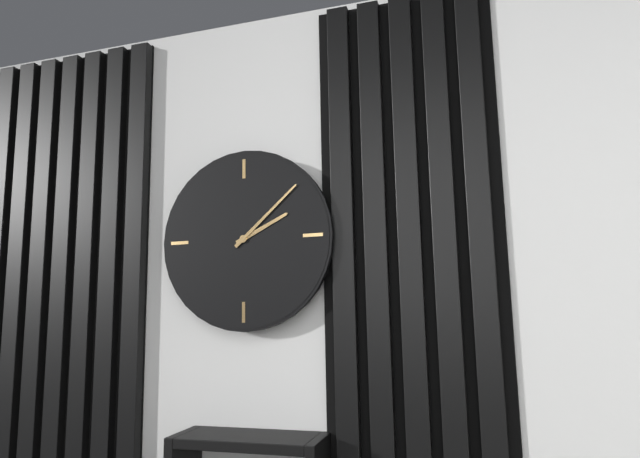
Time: {"hour": 2, "minute": 8}
